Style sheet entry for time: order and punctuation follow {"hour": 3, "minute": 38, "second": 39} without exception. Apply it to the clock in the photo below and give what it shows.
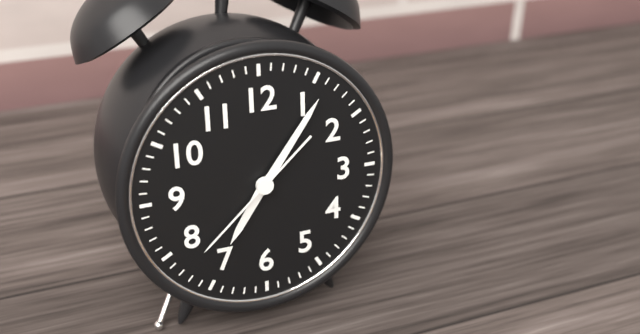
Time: {"hour": 7, "minute": 6, "second": 38}
